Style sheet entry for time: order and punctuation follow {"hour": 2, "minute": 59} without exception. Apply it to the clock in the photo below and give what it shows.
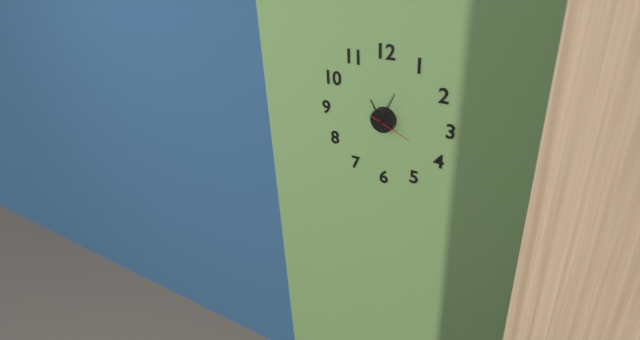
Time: {"hour": 11, "minute": 4}
